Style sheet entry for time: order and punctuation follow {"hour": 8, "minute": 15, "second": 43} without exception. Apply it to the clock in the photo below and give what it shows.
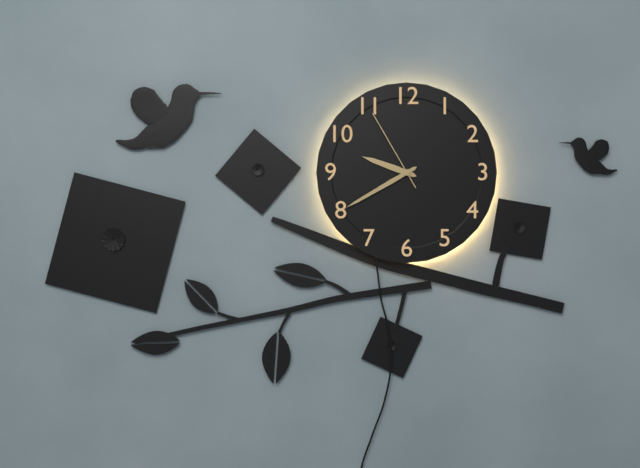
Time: {"hour": 9, "minute": 40, "second": 55}
